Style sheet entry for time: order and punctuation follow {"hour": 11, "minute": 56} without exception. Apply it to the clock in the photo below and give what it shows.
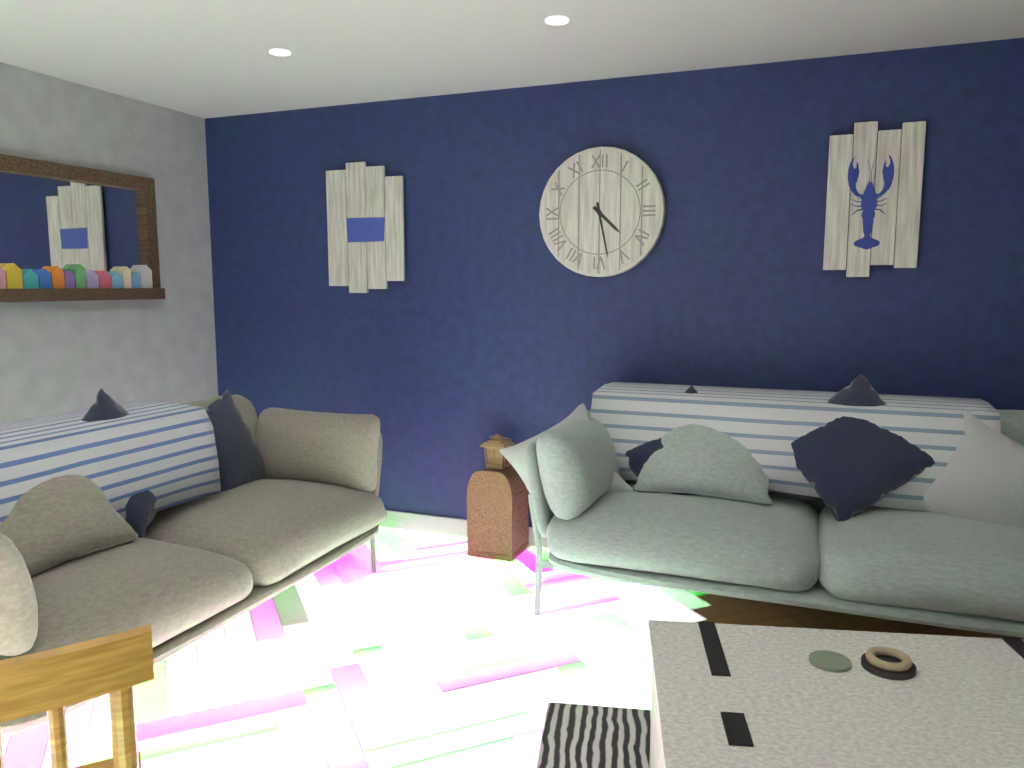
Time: {"hour": 4, "minute": 28}
